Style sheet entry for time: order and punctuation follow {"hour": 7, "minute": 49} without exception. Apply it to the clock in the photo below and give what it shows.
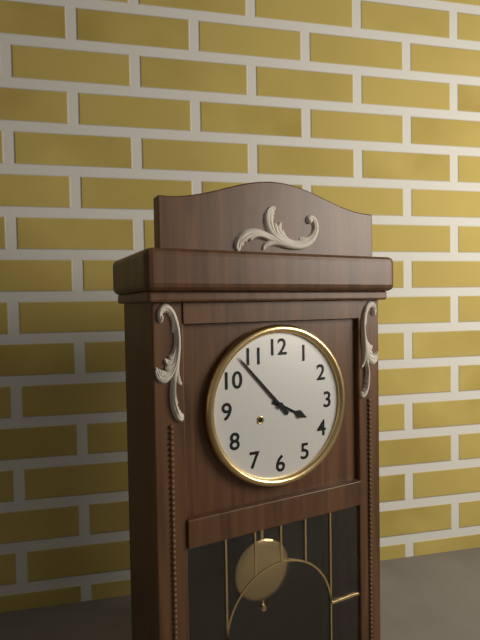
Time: {"hour": 3, "minute": 53}
